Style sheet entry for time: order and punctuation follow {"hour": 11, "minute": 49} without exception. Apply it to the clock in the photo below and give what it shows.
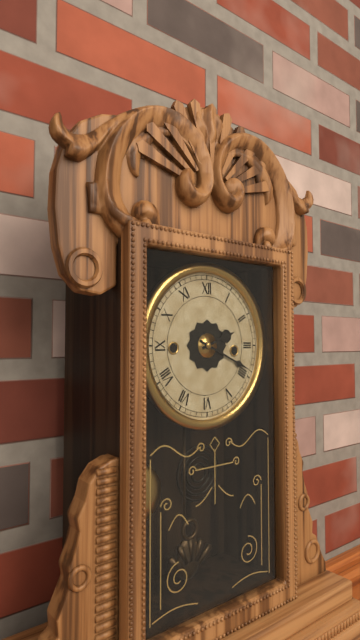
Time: {"hour": 2, "minute": 19}
